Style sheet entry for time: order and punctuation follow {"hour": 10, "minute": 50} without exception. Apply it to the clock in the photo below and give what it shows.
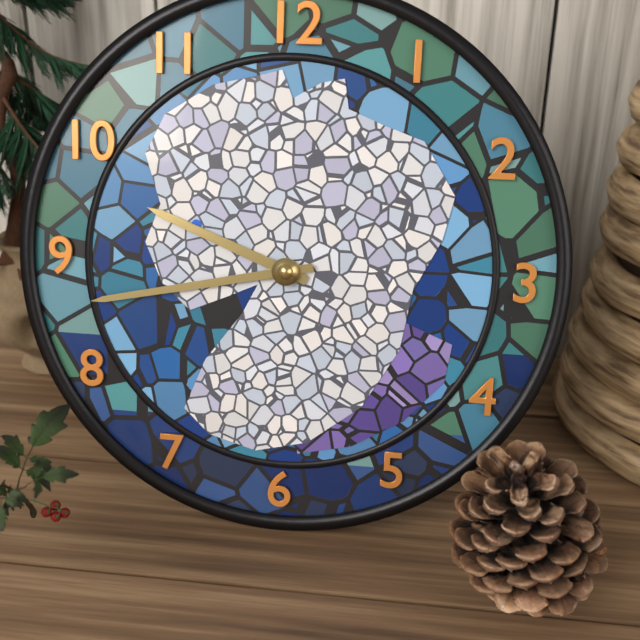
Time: {"hour": 9, "minute": 43}
